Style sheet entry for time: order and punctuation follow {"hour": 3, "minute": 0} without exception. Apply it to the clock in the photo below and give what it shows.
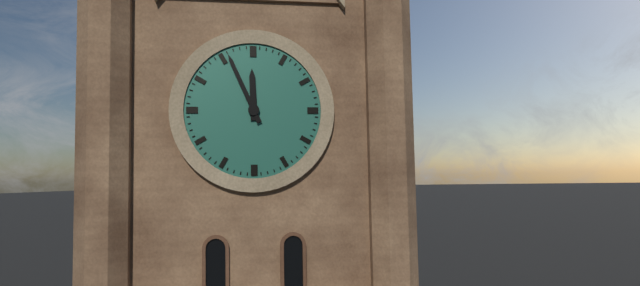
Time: {"hour": 11, "minute": 56}
